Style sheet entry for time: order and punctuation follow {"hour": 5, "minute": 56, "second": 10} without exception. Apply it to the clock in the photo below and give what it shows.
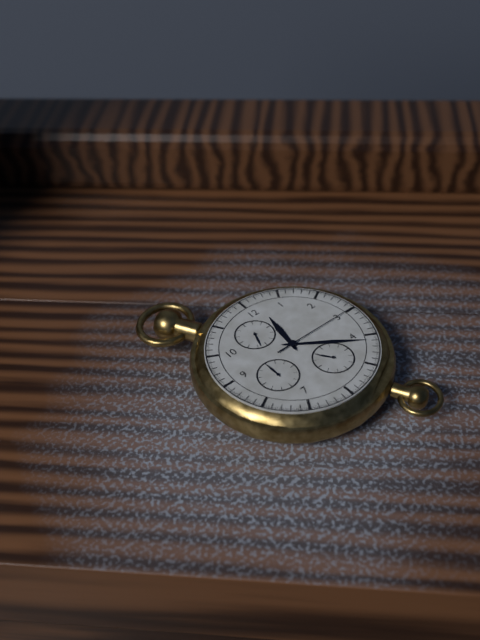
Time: {"hour": 12, "minute": 21, "second": 15}
